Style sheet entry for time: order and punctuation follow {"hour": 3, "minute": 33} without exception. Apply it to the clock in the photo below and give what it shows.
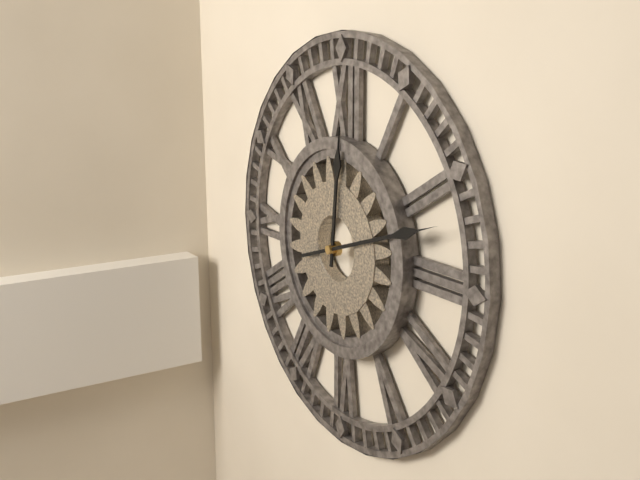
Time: {"hour": 12, "minute": 12}
